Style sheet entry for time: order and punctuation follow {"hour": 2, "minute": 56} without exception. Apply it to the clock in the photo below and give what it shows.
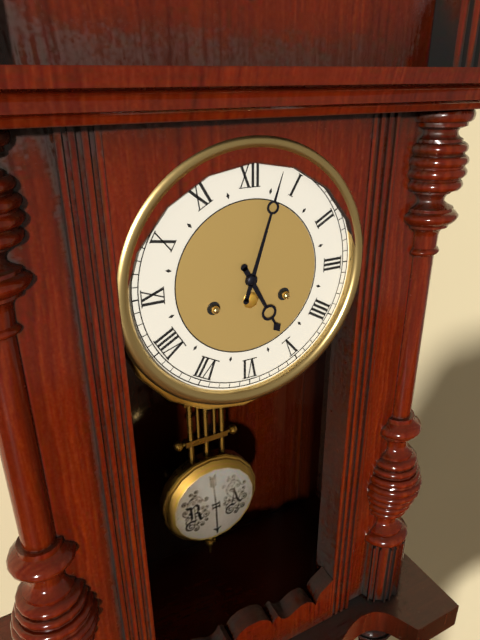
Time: {"hour": 5, "minute": 3}
